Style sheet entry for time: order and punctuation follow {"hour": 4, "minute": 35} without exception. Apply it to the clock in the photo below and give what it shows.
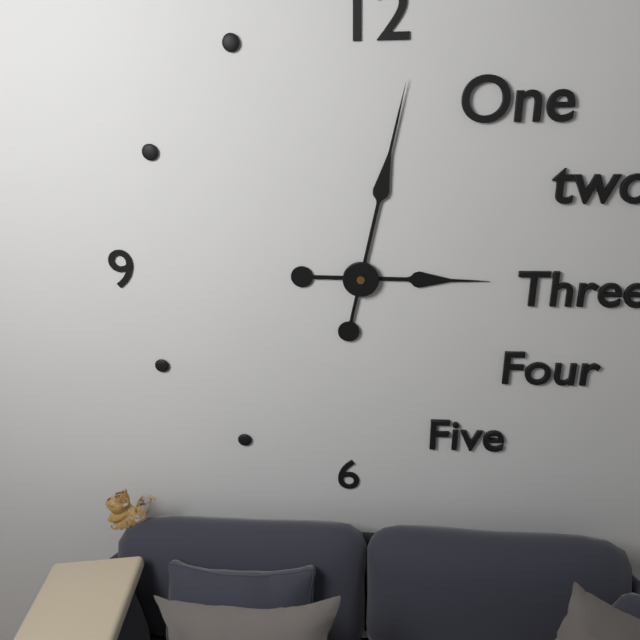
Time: {"hour": 3, "minute": 2}
